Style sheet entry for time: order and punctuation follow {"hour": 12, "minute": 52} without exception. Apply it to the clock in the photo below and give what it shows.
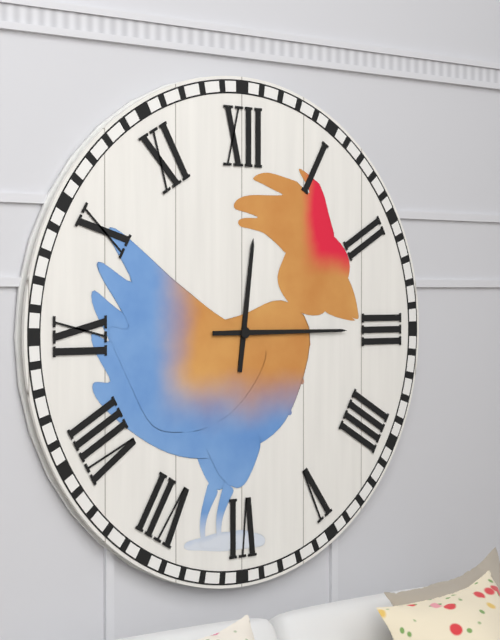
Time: {"hour": 12, "minute": 15}
